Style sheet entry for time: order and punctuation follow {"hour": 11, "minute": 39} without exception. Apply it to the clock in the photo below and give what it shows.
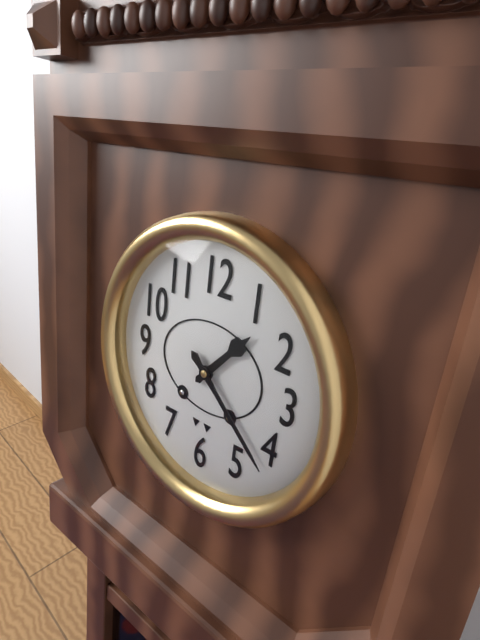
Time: {"hour": 1, "minute": 22}
